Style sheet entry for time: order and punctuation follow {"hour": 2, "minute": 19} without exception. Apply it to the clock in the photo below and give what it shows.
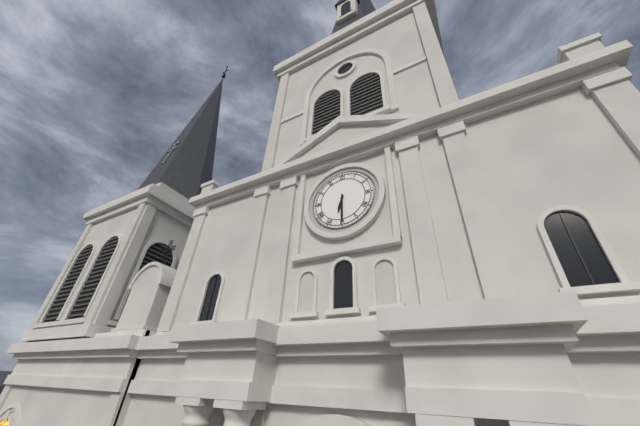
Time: {"hour": 6, "minute": 30}
